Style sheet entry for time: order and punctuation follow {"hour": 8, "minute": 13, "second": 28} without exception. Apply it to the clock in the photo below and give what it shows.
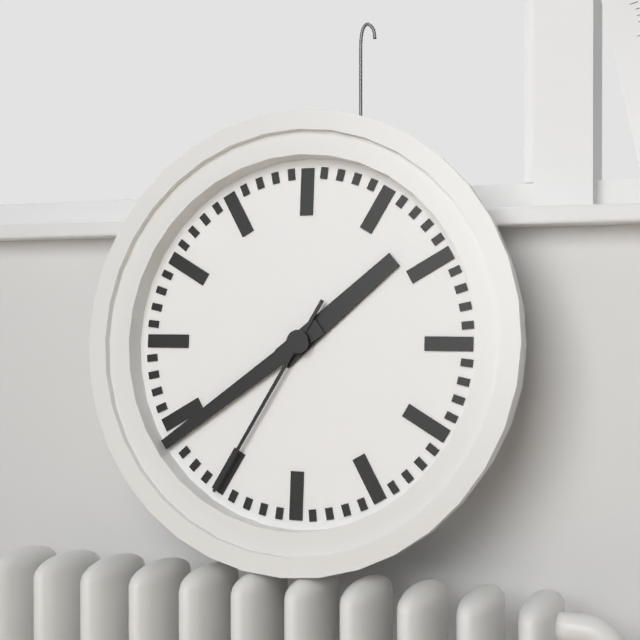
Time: {"hour": 1, "minute": 39, "second": 35}
